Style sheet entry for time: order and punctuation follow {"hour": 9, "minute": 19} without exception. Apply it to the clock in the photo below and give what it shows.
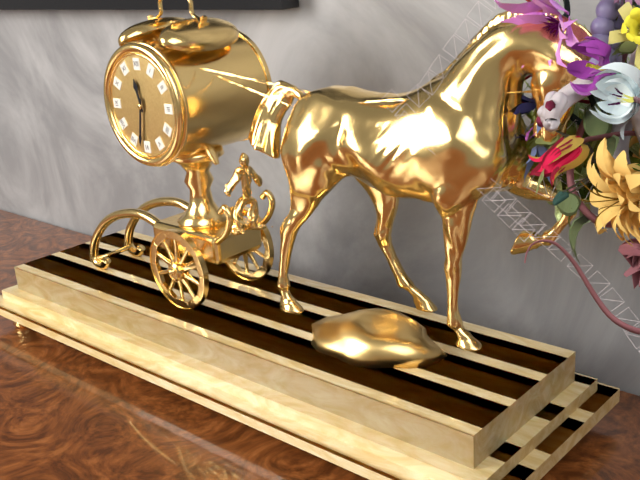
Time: {"hour": 11, "minute": 32}
